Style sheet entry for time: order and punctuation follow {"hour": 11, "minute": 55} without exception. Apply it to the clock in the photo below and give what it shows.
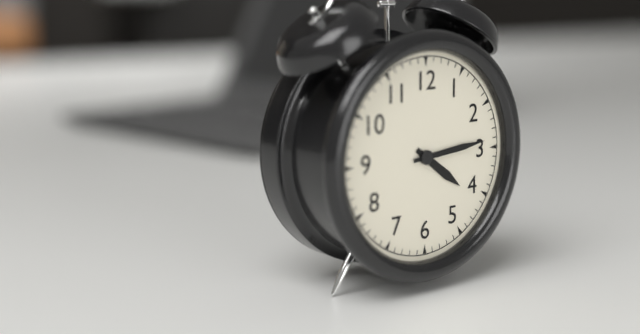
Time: {"hour": 4, "minute": 14}
